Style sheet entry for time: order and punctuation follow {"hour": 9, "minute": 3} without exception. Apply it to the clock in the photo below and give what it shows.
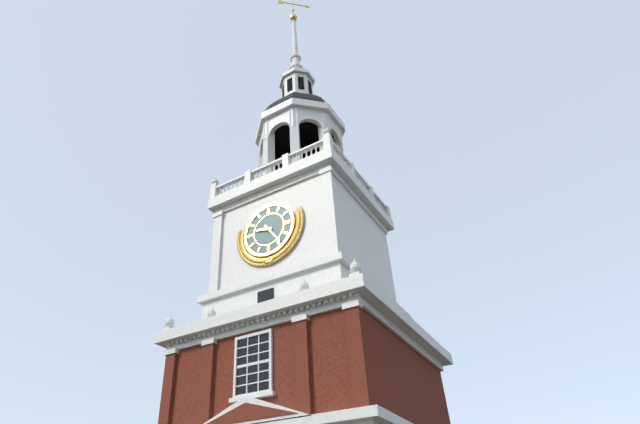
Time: {"hour": 9, "minute": 24}
